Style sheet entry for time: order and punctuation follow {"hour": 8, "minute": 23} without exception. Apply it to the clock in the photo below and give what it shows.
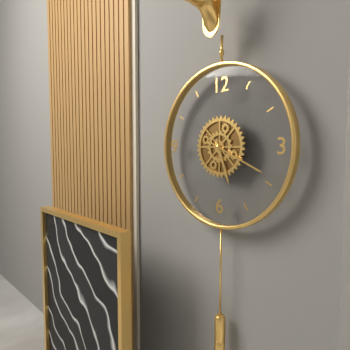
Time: {"hour": 5, "minute": 19}
